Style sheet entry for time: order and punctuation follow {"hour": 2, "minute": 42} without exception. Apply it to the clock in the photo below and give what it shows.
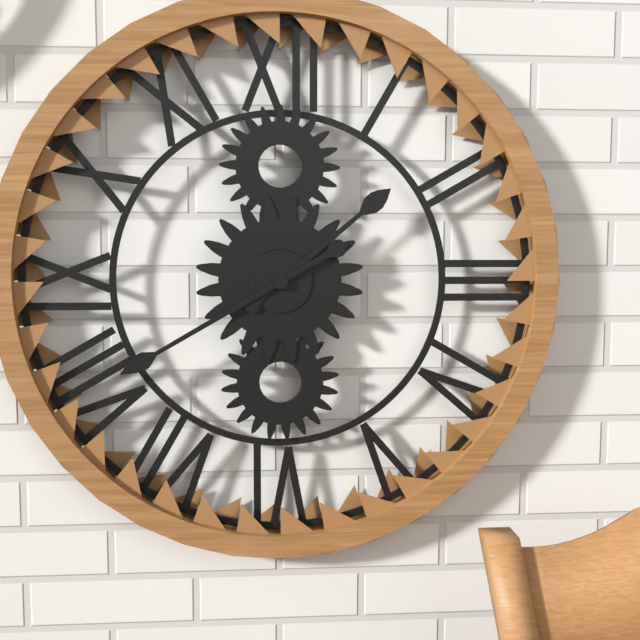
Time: {"hour": 1, "minute": 40}
